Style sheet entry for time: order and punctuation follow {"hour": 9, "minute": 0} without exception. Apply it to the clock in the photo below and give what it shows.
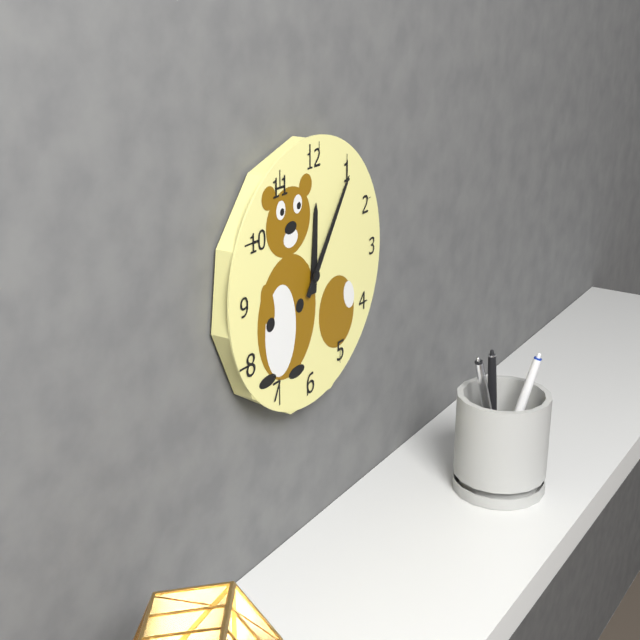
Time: {"hour": 12, "minute": 6}
